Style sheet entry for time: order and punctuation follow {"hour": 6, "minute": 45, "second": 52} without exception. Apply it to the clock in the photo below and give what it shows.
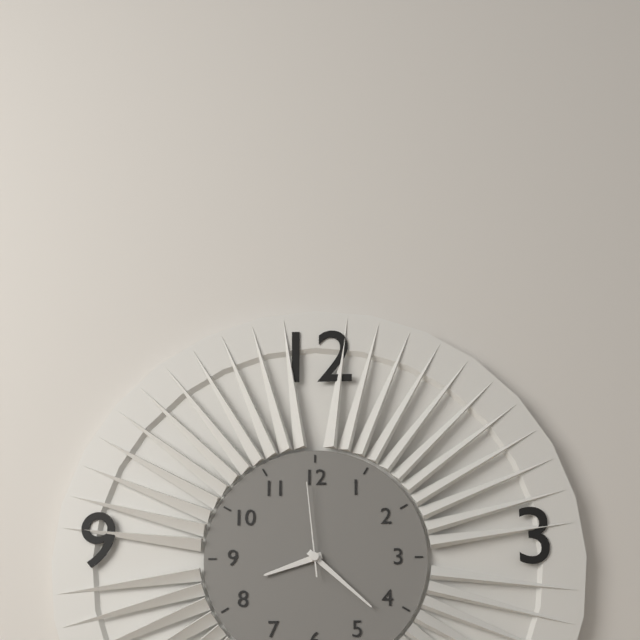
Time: {"hour": 8, "minute": 22, "second": 59}
